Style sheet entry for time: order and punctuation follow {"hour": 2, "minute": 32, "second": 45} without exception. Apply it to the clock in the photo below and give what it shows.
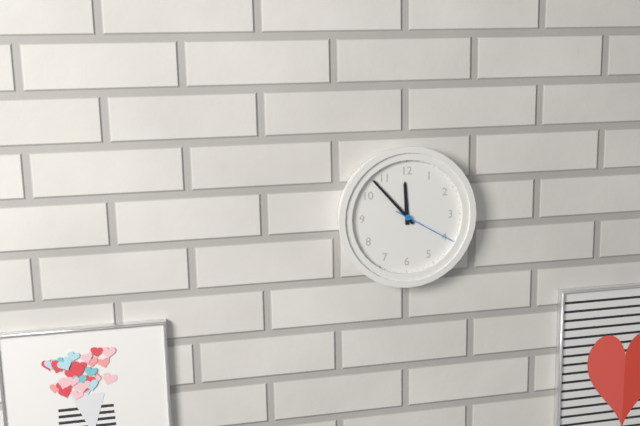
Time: {"hour": 11, "minute": 53, "second": 20}
